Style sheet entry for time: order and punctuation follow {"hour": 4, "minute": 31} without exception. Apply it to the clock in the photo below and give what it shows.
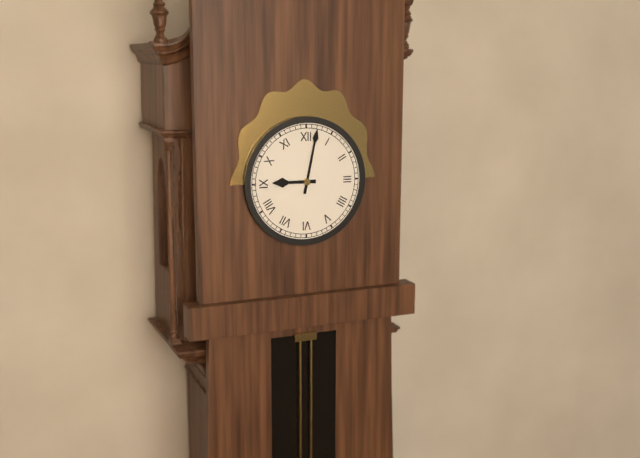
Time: {"hour": 9, "minute": 2}
